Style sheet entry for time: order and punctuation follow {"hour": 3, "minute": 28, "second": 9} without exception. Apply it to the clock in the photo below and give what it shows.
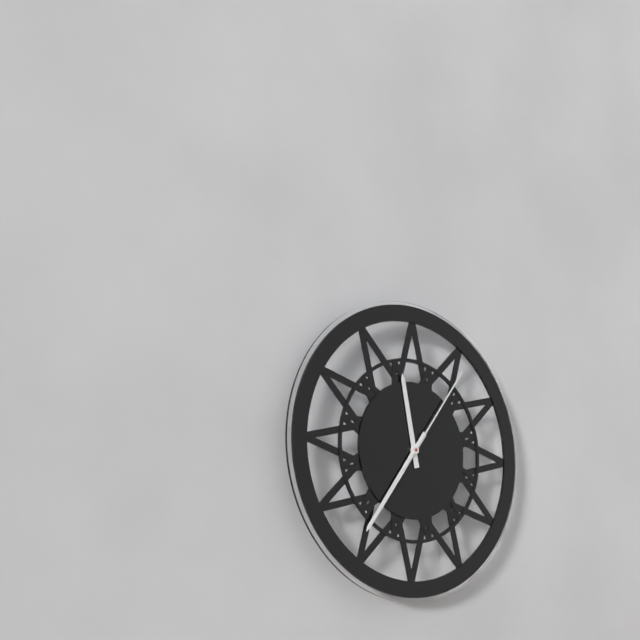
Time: {"hour": 11, "minute": 36, "second": 6}
